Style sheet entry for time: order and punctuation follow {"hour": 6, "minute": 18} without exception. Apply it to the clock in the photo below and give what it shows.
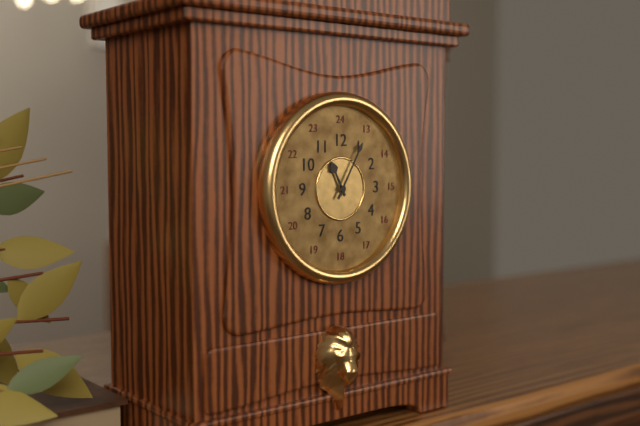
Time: {"hour": 11, "minute": 5}
